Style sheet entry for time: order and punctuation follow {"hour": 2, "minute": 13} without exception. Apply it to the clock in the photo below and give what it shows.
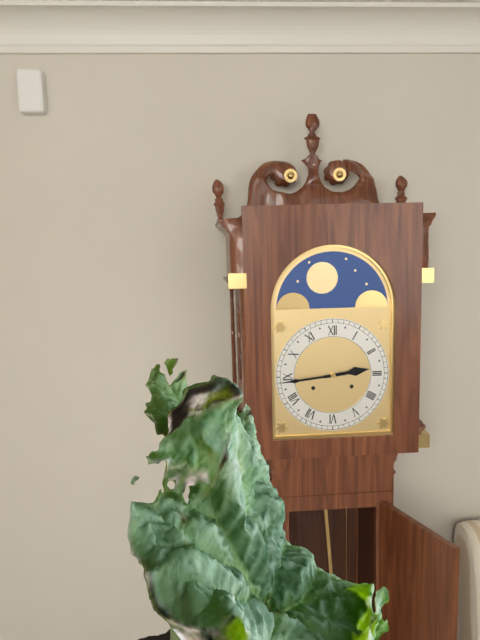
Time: {"hour": 2, "minute": 44}
